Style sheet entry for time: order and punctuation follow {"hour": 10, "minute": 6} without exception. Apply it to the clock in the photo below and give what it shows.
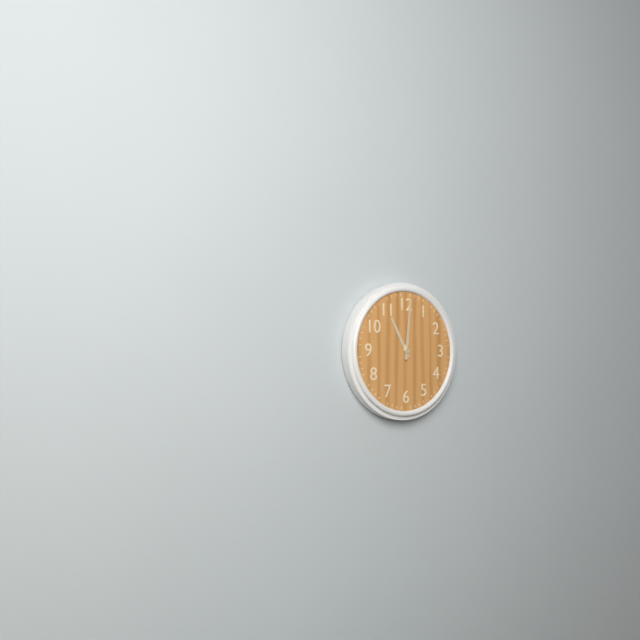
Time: {"hour": 11, "minute": 1}
